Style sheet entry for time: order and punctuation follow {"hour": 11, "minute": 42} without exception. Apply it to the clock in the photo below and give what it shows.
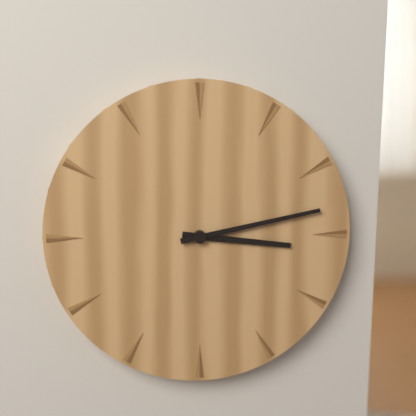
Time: {"hour": 3, "minute": 13}
